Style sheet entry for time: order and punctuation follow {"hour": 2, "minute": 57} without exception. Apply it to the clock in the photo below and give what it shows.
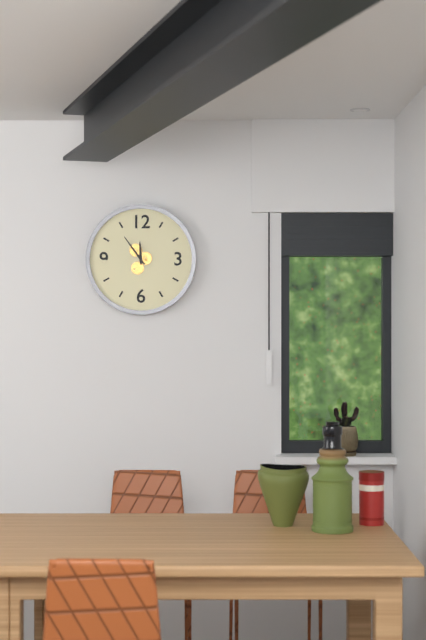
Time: {"hour": 11, "minute": 54}
